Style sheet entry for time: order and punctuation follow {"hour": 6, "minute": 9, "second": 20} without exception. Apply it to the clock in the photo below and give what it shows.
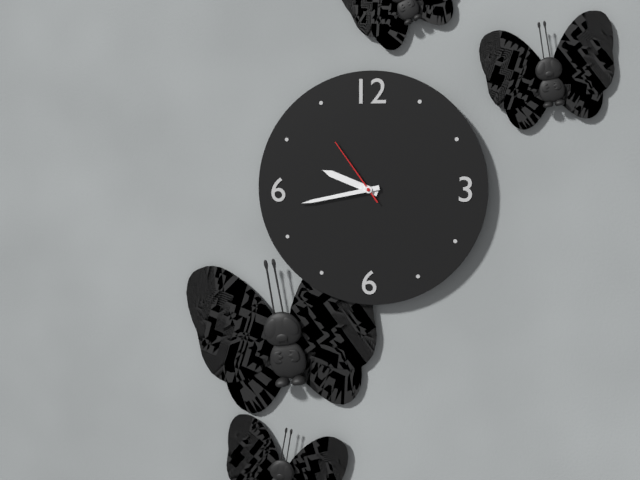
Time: {"hour": 9, "minute": 43, "second": 54}
